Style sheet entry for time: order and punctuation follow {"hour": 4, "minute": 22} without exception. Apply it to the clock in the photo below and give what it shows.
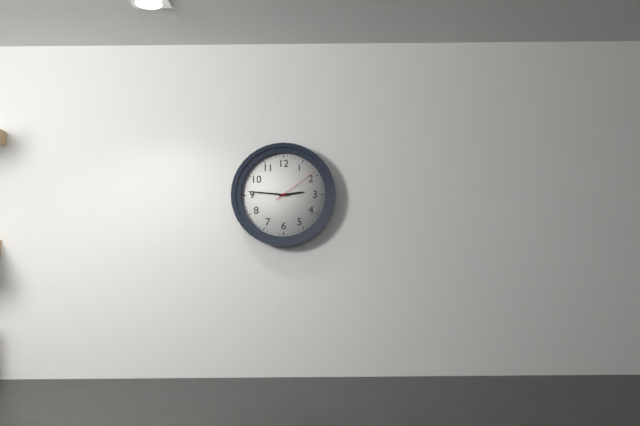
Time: {"hour": 2, "minute": 46}
